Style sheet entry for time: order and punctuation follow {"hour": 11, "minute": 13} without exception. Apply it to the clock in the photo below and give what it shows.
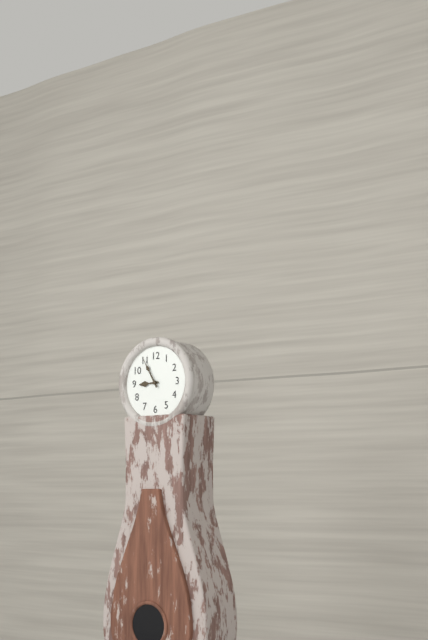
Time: {"hour": 8, "minute": 55}
